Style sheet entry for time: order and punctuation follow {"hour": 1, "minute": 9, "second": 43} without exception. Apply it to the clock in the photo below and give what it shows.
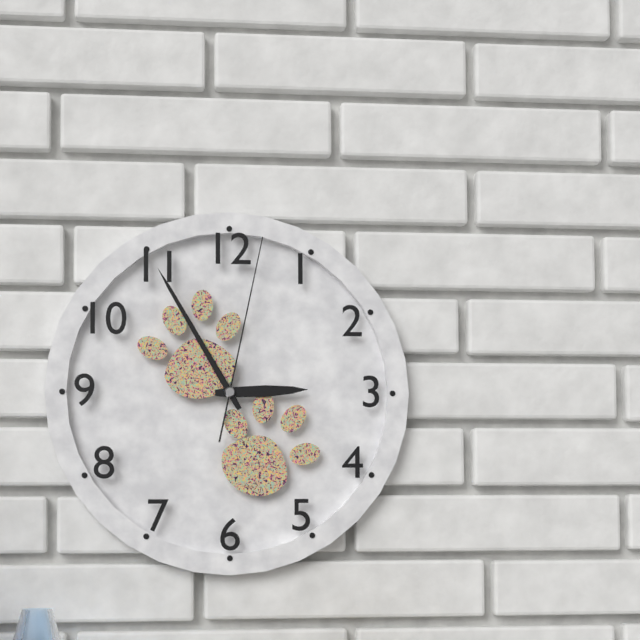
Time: {"hour": 2, "minute": 55, "second": 2}
